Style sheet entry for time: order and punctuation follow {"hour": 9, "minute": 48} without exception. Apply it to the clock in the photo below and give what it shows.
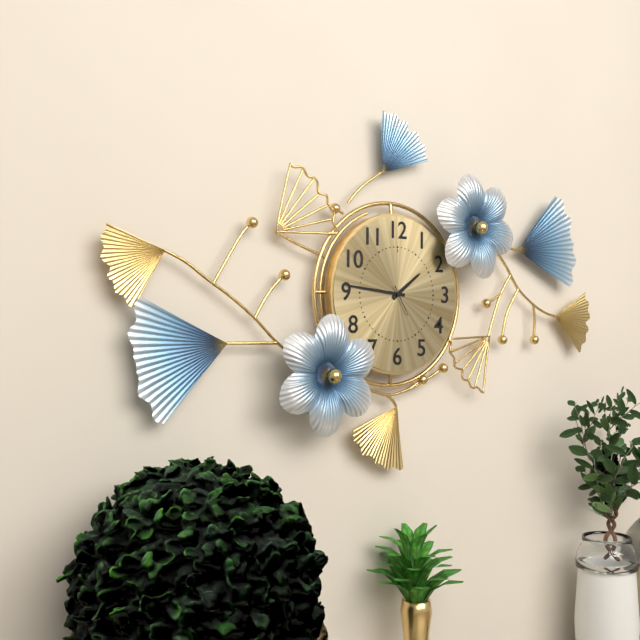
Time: {"hour": 1, "minute": 46}
